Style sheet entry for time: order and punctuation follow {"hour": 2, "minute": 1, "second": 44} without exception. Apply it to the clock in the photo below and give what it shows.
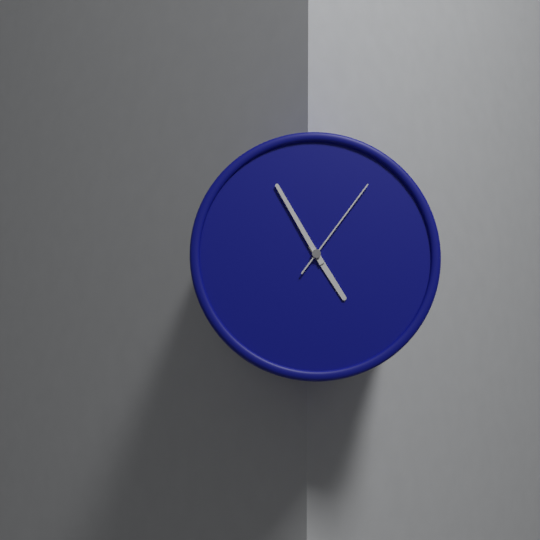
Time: {"hour": 4, "minute": 55, "second": 6}
